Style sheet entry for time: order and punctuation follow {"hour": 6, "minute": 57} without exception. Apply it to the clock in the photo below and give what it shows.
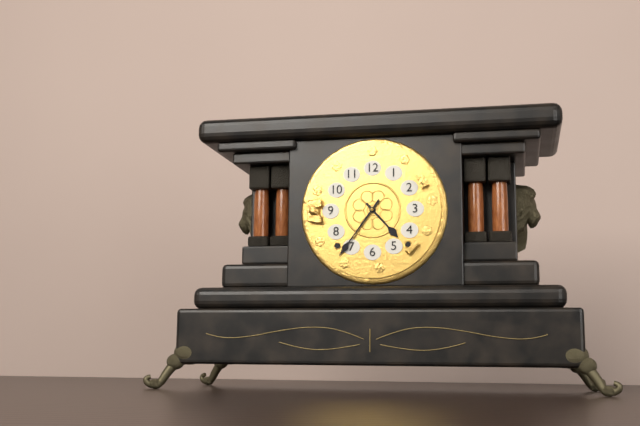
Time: {"hour": 4, "minute": 36}
